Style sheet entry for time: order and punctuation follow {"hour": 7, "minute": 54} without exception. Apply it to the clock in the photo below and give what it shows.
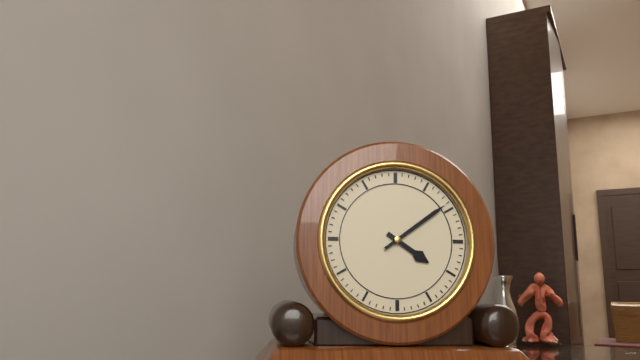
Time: {"hour": 4, "minute": 9}
